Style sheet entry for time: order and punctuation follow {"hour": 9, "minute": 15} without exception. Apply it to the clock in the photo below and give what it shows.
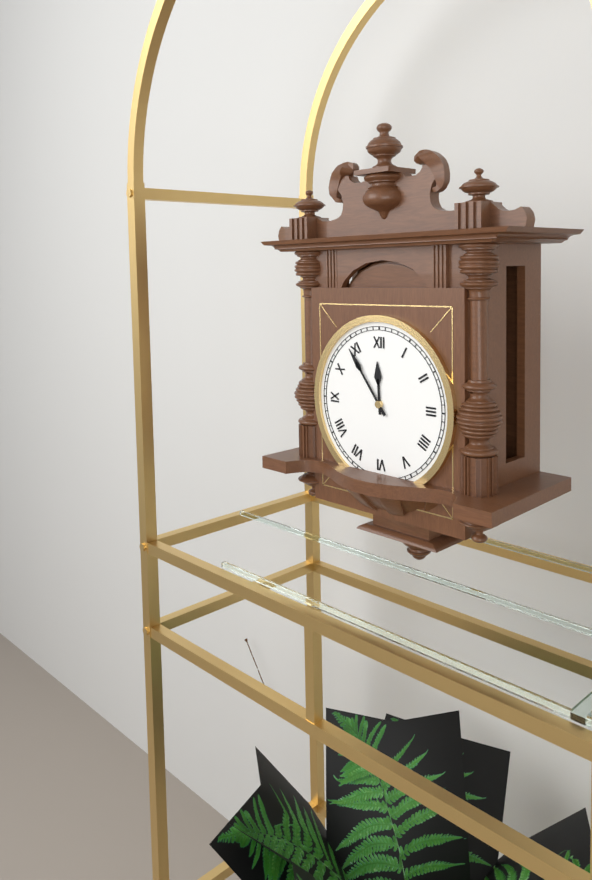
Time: {"hour": 11, "minute": 54}
